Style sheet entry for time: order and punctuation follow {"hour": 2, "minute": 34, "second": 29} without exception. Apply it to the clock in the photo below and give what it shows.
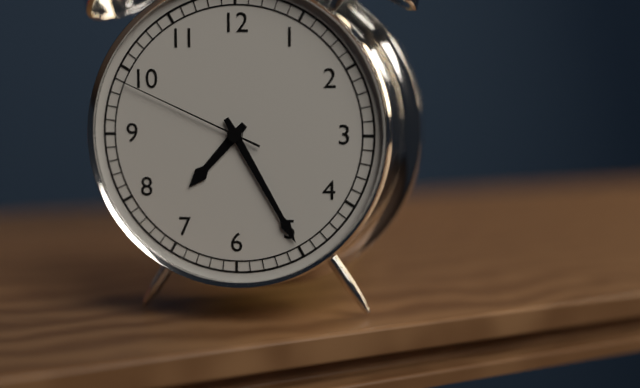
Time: {"hour": 7, "minute": 25, "second": 49}
